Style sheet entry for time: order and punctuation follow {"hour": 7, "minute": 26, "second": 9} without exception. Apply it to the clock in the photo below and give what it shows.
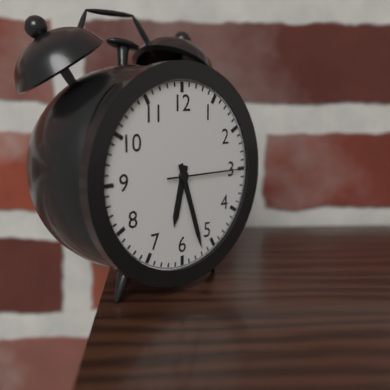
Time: {"hour": 6, "minute": 27, "second": 15}
